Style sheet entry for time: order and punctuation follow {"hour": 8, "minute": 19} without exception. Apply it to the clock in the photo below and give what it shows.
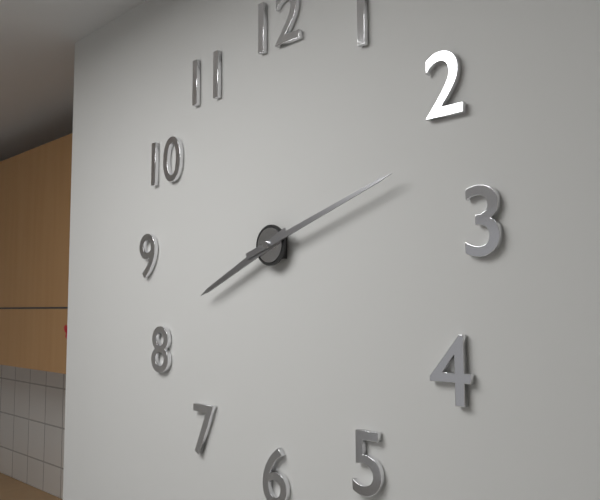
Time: {"hour": 8, "minute": 12}
